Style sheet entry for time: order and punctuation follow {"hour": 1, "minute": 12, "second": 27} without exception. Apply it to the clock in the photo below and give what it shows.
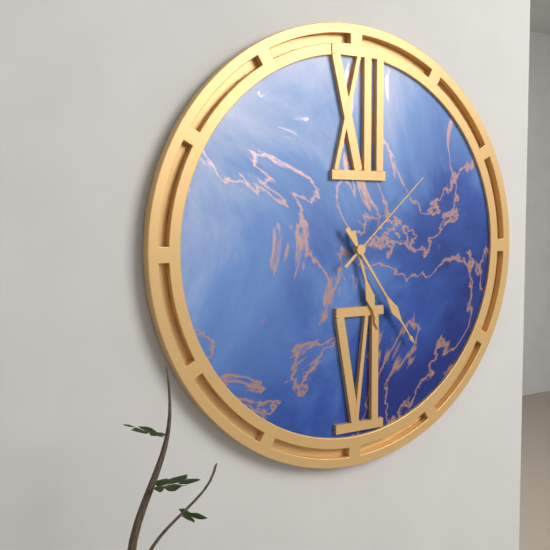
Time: {"hour": 5, "minute": 24, "second": 8}
